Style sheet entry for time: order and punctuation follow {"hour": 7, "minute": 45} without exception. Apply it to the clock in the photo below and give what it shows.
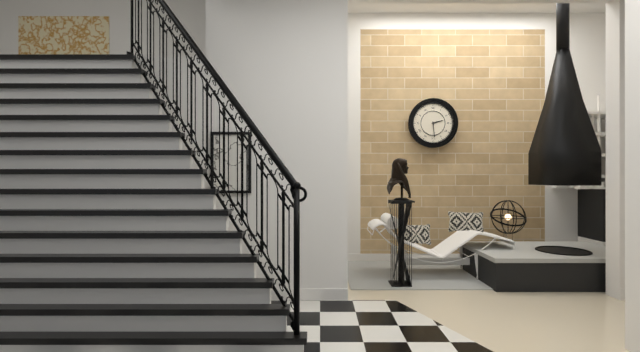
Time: {"hour": 2, "minute": 29}
